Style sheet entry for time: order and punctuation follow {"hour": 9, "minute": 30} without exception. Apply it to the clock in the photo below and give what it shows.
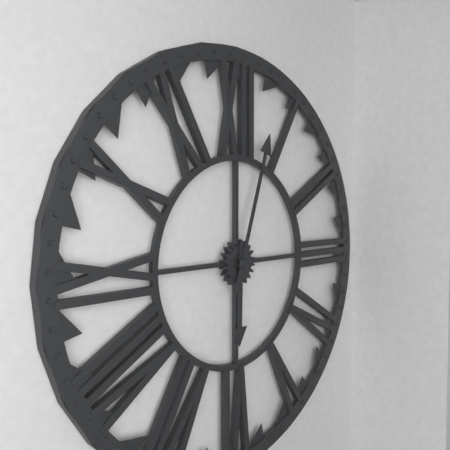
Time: {"hour": 6, "minute": 3}
